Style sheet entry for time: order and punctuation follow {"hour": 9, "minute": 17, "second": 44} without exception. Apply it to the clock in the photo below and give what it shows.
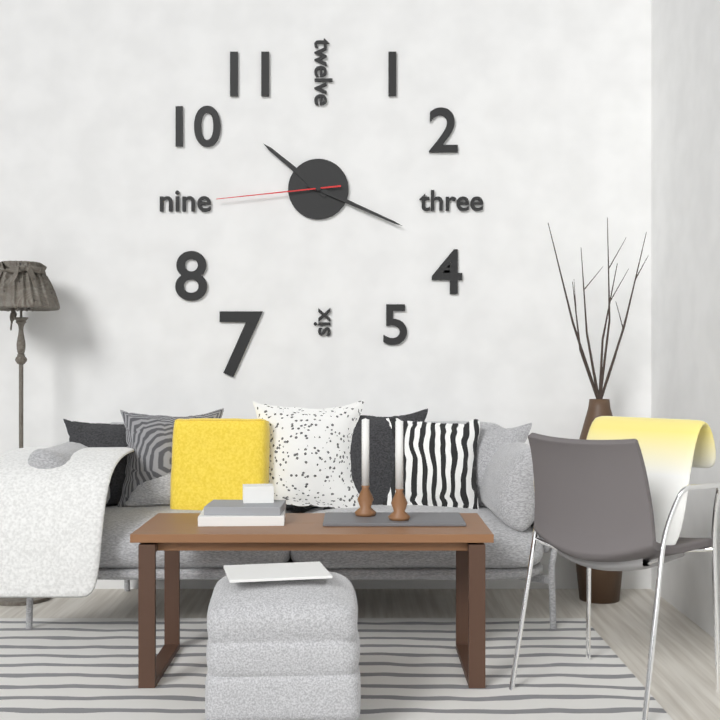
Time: {"hour": 10, "minute": 19, "second": 44}
